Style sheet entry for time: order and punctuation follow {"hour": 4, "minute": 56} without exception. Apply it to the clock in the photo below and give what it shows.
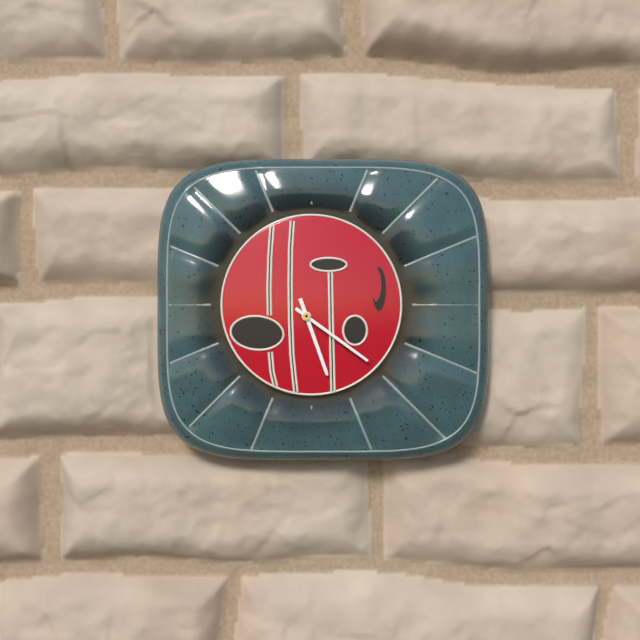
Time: {"hour": 5, "minute": 21}
